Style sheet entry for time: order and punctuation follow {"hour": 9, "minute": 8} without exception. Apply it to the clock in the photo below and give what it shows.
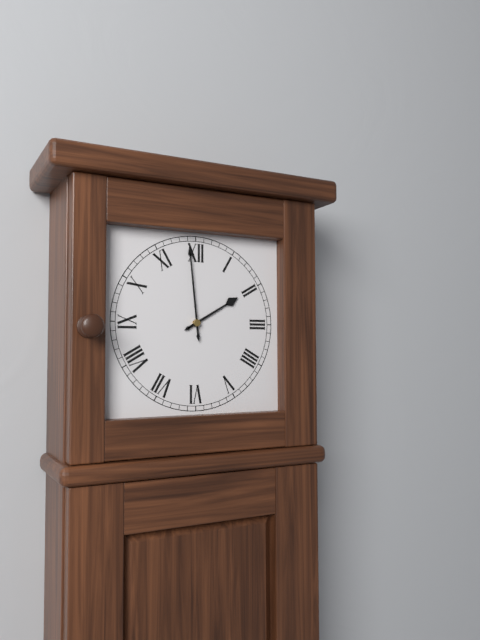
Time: {"hour": 1, "minute": 59}
